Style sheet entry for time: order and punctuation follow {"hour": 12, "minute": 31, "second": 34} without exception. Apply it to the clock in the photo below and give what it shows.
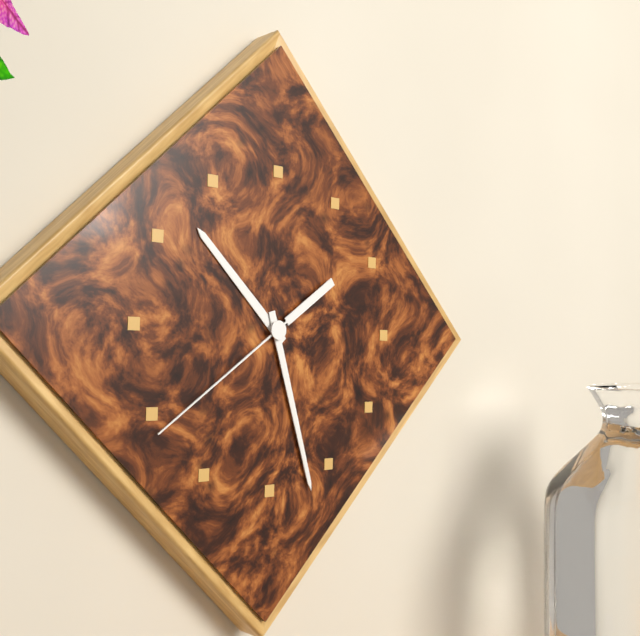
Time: {"hour": 10, "minute": 27, "second": 39}
